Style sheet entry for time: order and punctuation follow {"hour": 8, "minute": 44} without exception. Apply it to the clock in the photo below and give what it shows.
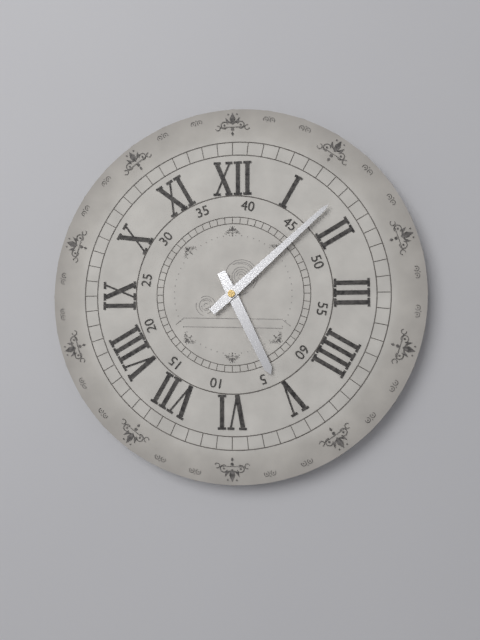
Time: {"hour": 5, "minute": 8}
